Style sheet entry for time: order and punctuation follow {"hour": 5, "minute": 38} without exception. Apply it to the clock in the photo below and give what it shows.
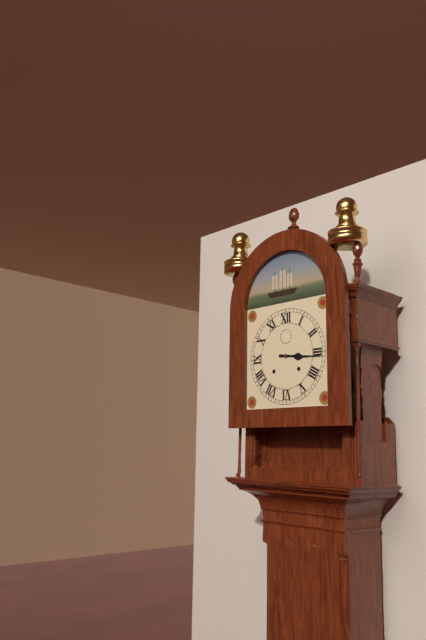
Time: {"hour": 3, "minute": 16}
